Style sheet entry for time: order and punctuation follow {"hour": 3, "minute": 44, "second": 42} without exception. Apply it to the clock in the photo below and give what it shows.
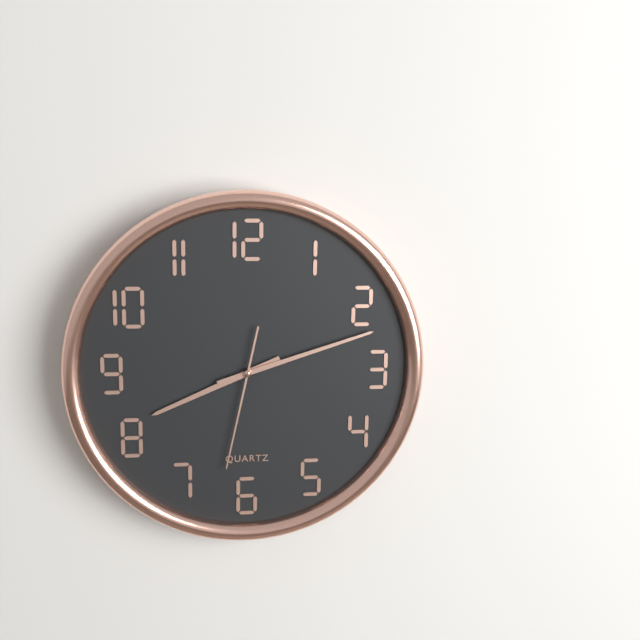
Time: {"hour": 8, "minute": 12, "second": 32}
